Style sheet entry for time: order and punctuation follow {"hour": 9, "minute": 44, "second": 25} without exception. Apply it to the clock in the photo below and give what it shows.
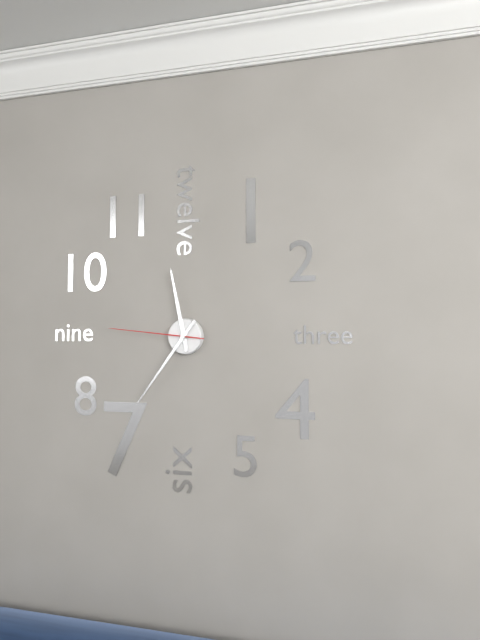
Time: {"hour": 11, "minute": 36, "second": 46}
